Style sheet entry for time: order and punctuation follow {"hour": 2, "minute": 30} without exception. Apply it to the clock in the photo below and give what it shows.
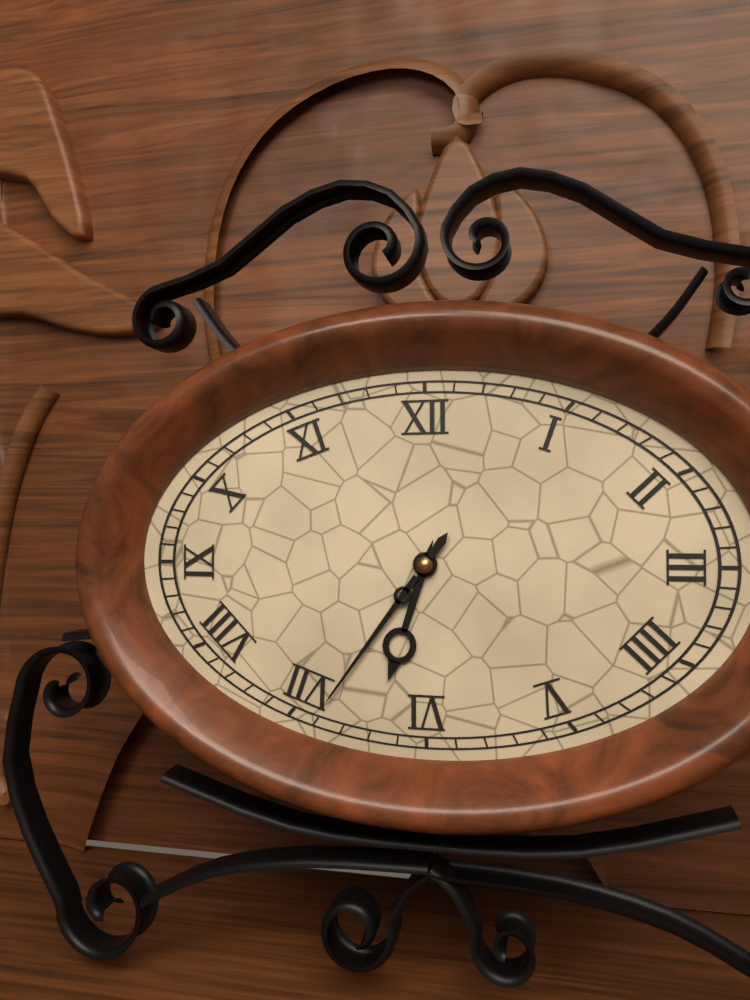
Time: {"hour": 6, "minute": 36}
